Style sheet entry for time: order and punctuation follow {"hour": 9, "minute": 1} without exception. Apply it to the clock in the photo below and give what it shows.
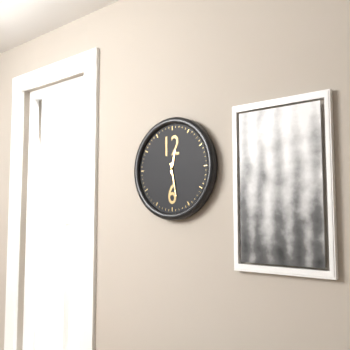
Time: {"hour": 12, "minute": 28}
